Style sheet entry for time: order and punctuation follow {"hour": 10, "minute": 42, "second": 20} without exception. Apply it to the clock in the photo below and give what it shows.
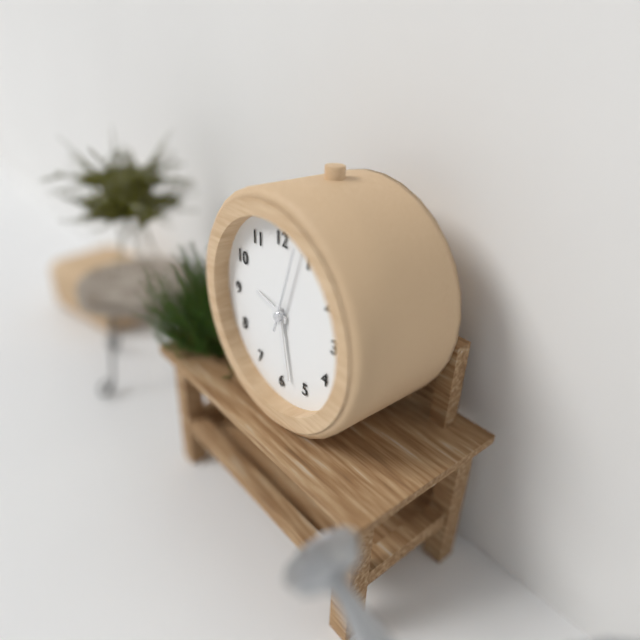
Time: {"hour": 9, "minute": 28, "second": 3}
